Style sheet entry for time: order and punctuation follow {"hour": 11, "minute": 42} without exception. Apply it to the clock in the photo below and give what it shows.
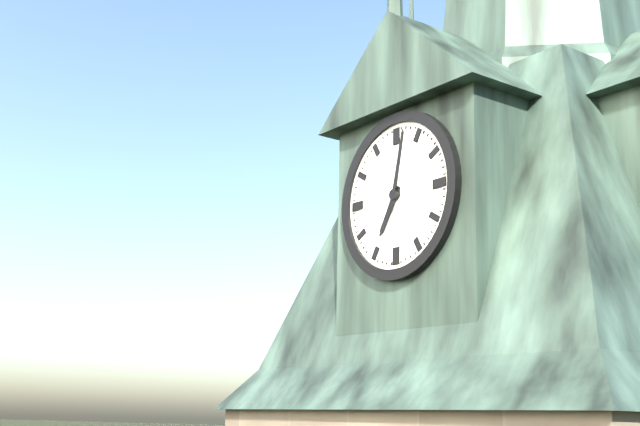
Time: {"hour": 7, "minute": 2}
